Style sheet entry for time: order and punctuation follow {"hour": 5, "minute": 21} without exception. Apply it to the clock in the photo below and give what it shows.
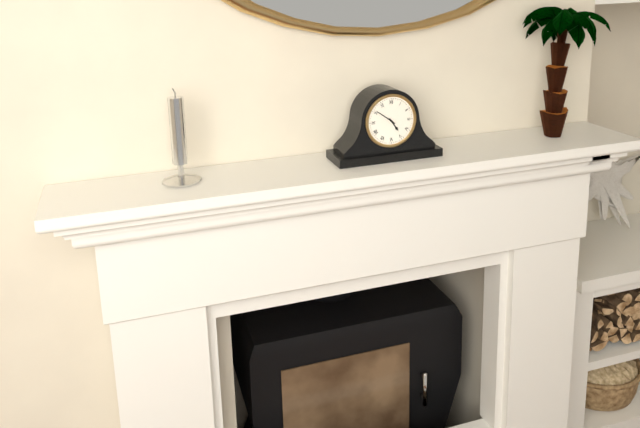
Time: {"hour": 4, "minute": 51}
